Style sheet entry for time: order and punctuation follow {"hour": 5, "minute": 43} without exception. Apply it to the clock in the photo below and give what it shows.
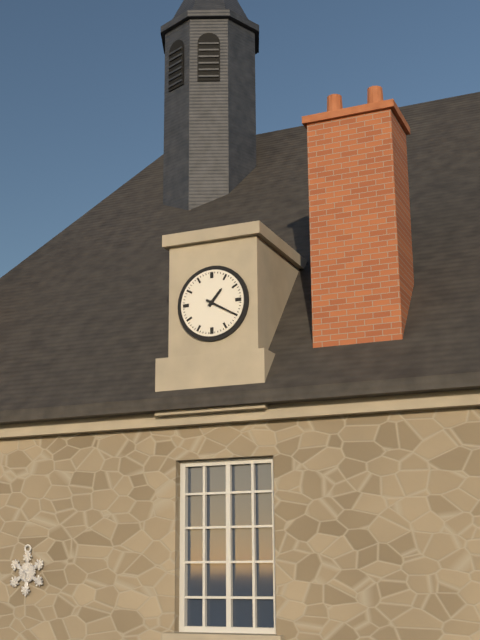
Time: {"hour": 1, "minute": 20}
